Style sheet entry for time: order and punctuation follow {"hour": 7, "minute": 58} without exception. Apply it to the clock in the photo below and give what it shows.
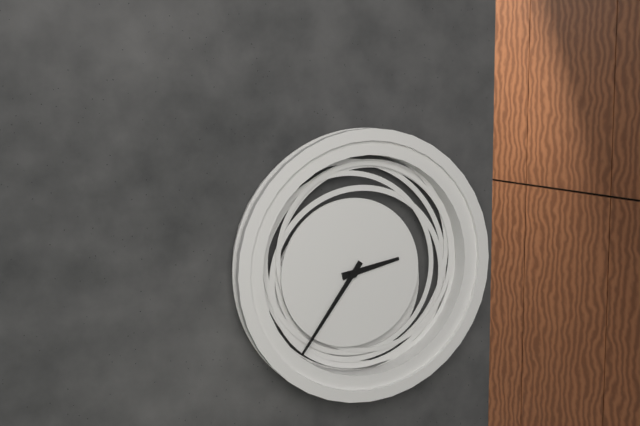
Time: {"hour": 2, "minute": 36}
